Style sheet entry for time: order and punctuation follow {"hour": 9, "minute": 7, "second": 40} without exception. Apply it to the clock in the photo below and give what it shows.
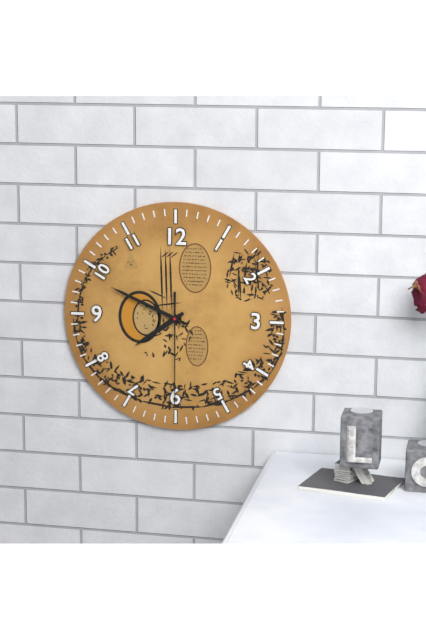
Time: {"hour": 7, "minute": 49, "second": 30}
